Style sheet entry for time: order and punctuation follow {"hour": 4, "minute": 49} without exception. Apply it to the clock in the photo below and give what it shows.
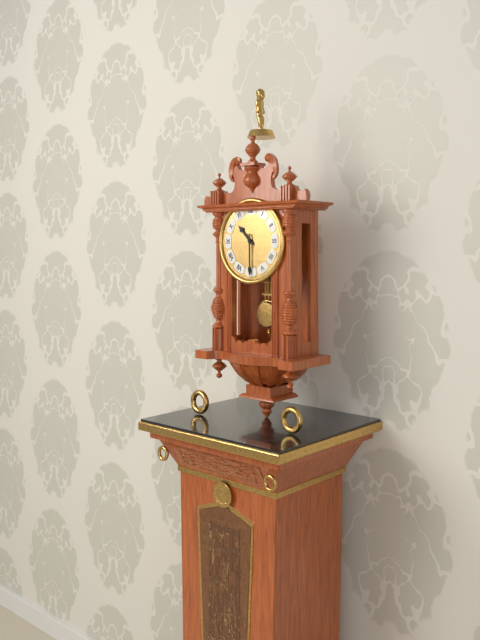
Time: {"hour": 10, "minute": 30}
